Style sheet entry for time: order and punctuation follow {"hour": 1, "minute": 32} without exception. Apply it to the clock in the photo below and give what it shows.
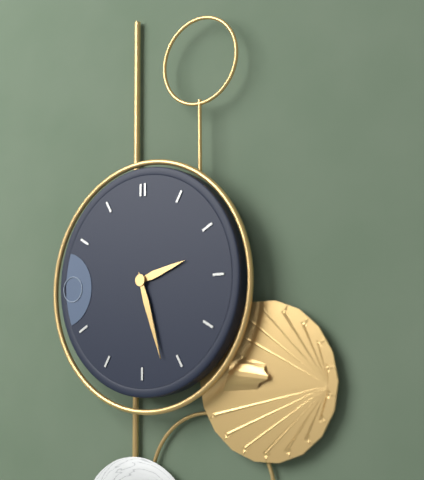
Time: {"hour": 2, "minute": 27}
